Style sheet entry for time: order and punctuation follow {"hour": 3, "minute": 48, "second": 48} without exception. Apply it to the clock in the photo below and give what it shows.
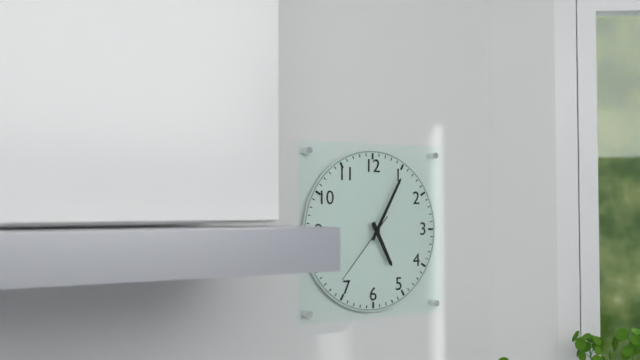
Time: {"hour": 5, "minute": 5, "second": 37}
